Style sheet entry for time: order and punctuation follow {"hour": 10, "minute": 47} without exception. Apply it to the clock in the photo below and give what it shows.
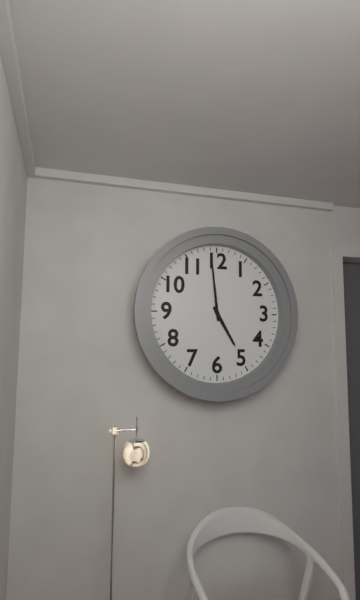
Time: {"hour": 4, "minute": 59}
